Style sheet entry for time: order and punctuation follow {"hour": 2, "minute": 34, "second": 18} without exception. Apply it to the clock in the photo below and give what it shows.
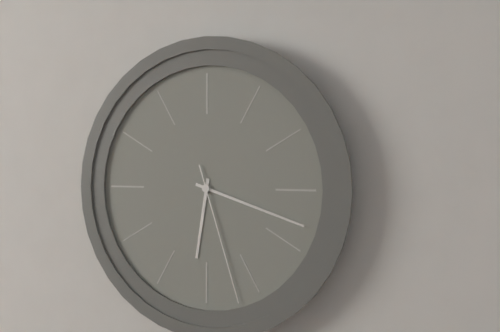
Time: {"hour": 6, "minute": 18, "second": 27}
